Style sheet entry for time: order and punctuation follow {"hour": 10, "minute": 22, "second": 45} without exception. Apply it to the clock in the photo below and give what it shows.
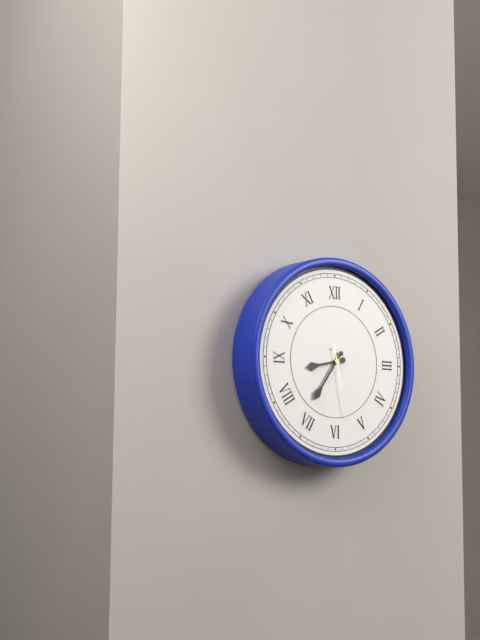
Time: {"hour": 8, "minute": 36, "second": 28}
